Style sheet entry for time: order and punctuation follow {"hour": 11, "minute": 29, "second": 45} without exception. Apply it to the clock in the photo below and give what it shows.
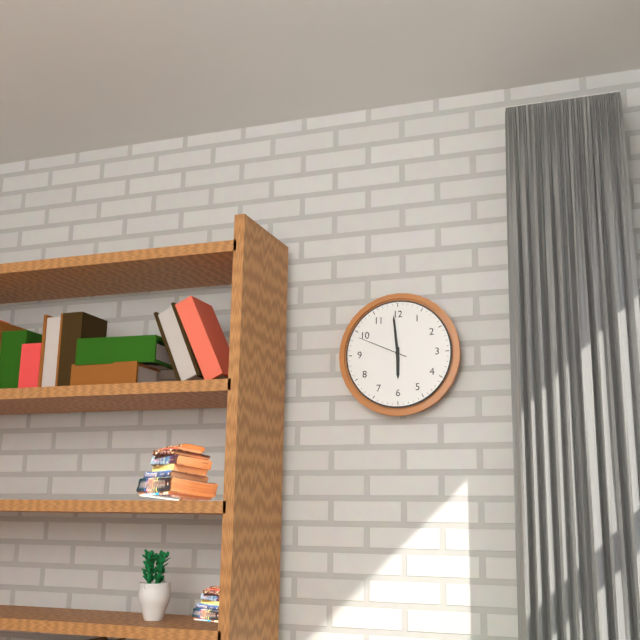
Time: {"hour": 5, "minute": 59, "second": 49}
